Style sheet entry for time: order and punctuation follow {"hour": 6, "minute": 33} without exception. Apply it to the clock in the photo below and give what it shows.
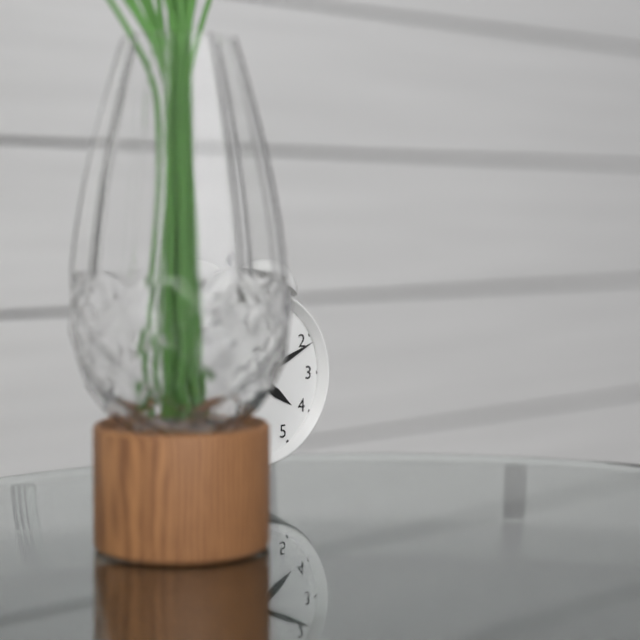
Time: {"hour": 4, "minute": 11}
